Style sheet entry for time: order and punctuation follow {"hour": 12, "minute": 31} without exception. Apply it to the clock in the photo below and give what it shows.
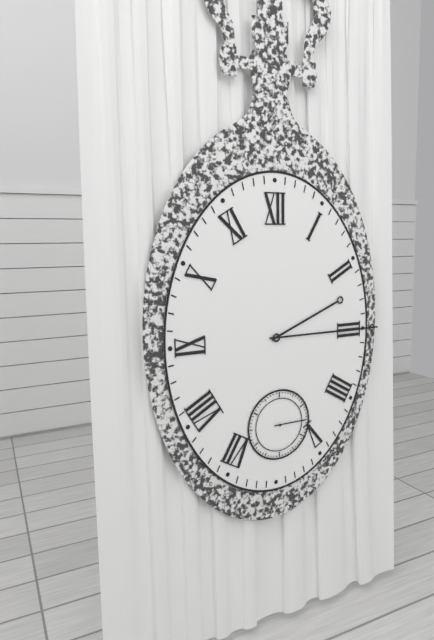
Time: {"hour": 2, "minute": 15}
